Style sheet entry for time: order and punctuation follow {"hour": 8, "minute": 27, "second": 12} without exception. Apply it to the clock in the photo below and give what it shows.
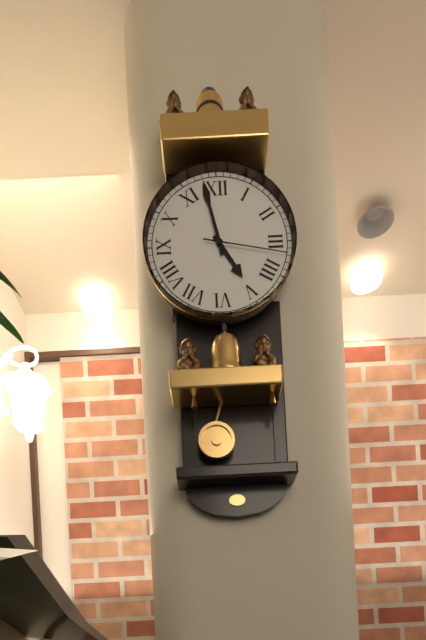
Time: {"hour": 4, "minute": 58, "second": 17}
